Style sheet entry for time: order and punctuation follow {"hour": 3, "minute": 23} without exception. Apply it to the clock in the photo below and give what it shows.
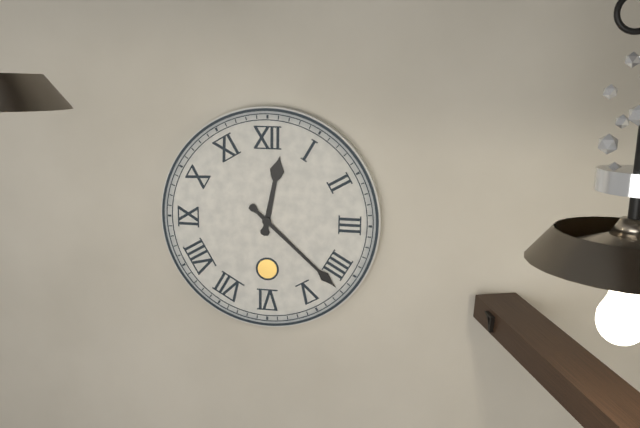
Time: {"hour": 12, "minute": 22}
